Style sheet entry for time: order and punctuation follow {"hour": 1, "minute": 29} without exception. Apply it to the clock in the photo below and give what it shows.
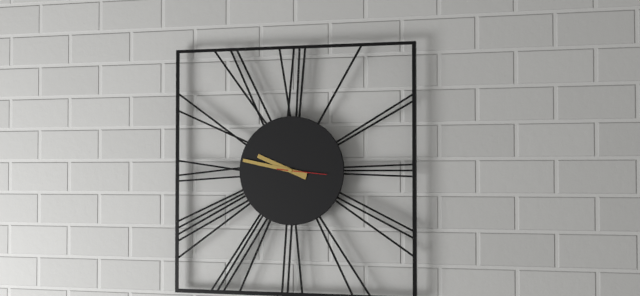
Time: {"hour": 9, "minute": 47}
